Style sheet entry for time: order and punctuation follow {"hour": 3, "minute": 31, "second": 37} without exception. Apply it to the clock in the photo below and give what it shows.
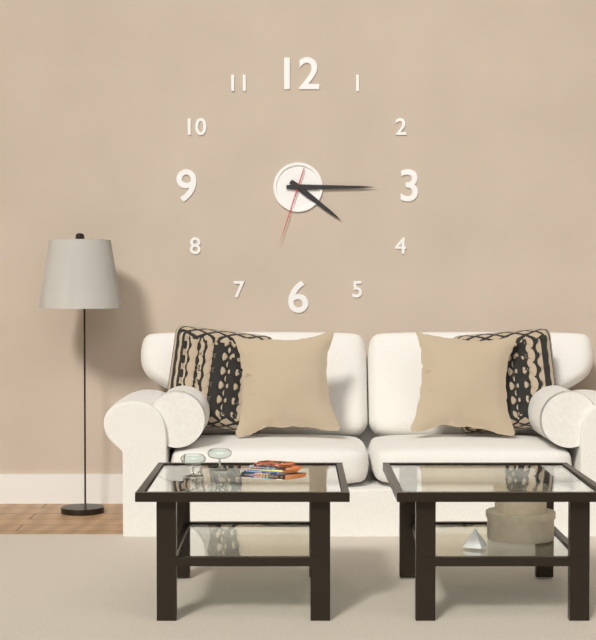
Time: {"hour": 4, "minute": 15, "second": 33}
